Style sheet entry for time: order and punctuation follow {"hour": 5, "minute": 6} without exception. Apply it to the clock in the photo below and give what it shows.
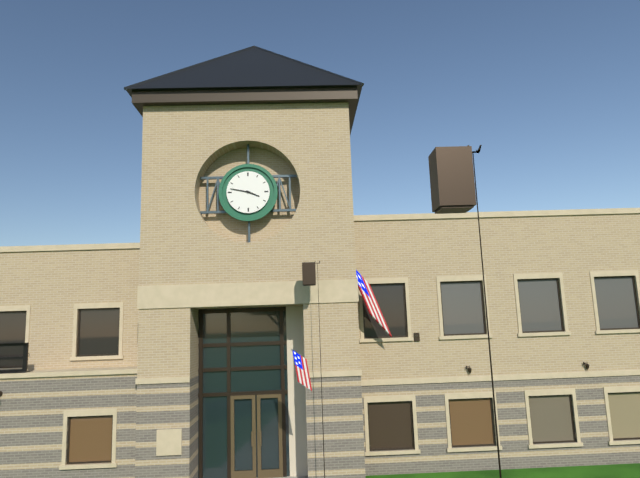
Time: {"hour": 3, "minute": 47}
